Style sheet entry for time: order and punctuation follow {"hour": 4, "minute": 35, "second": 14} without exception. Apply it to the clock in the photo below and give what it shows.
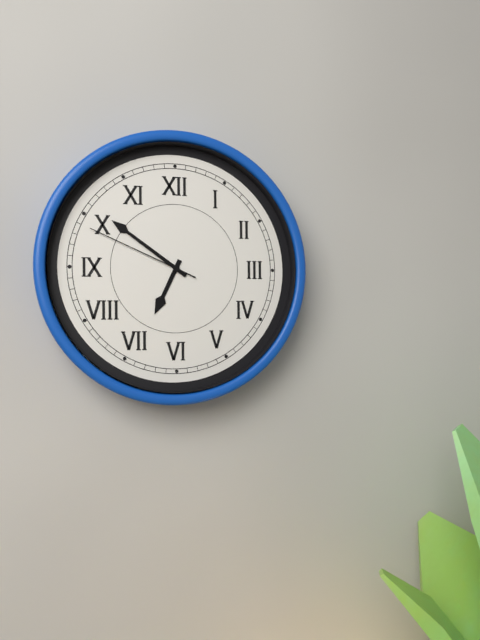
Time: {"hour": 6, "minute": 51, "second": 49}
